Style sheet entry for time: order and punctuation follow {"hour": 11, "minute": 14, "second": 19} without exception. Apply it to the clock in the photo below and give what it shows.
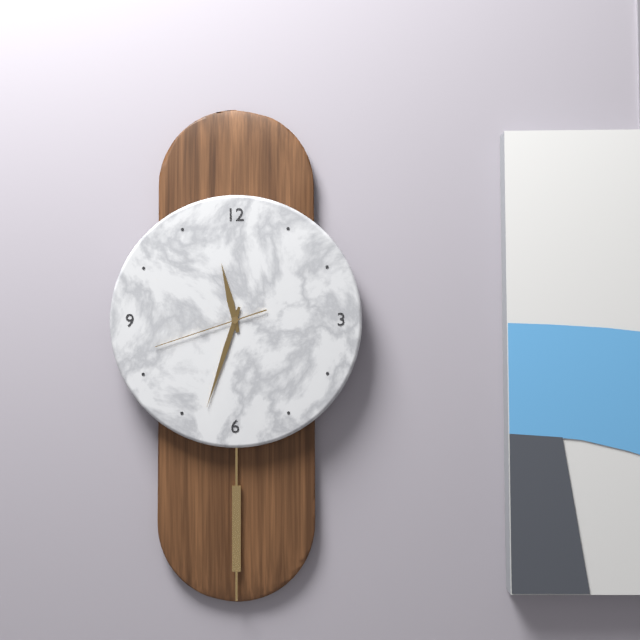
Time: {"hour": 11, "minute": 33, "second": 42}
